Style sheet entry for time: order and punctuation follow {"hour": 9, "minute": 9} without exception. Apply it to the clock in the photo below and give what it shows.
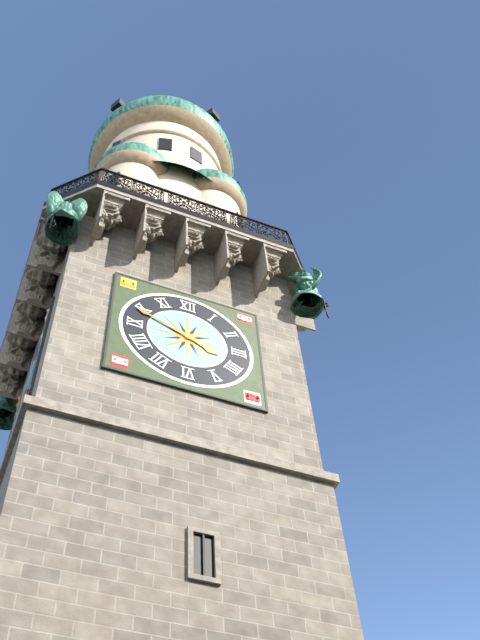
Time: {"hour": 3, "minute": 49}
